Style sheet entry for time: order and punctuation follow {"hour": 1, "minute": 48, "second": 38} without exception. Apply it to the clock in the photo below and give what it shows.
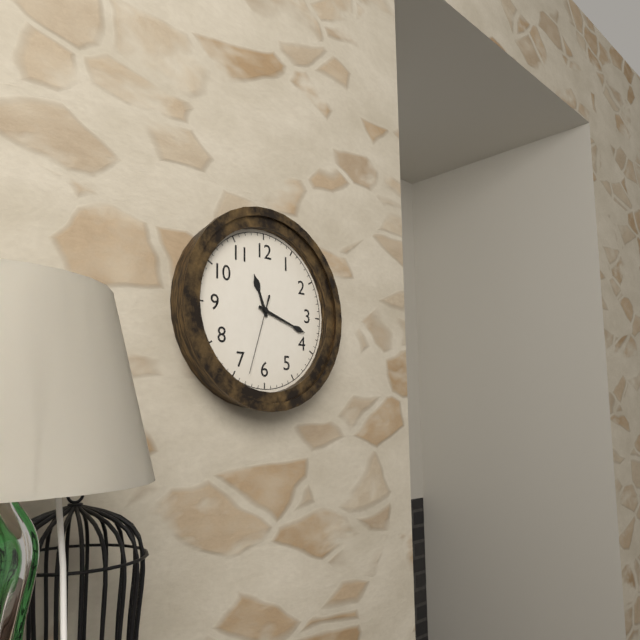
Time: {"hour": 11, "minute": 18, "second": 33}
